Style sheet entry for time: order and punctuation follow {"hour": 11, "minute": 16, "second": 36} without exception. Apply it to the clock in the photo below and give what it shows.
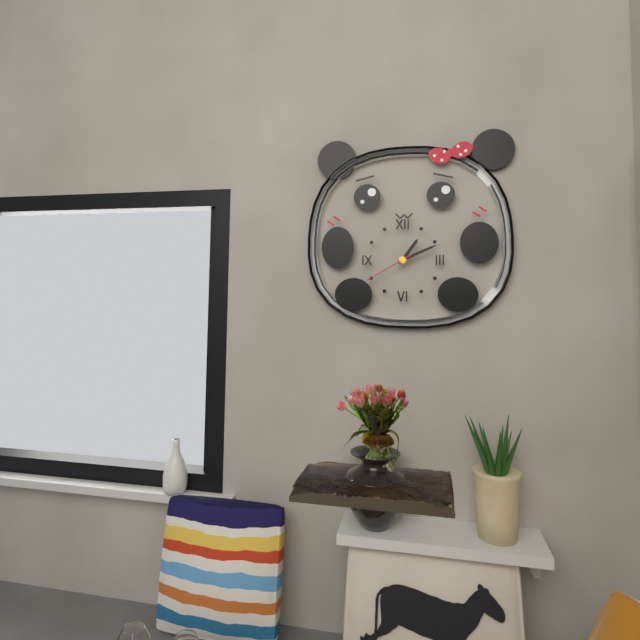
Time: {"hour": 1, "minute": 11, "second": 40}
